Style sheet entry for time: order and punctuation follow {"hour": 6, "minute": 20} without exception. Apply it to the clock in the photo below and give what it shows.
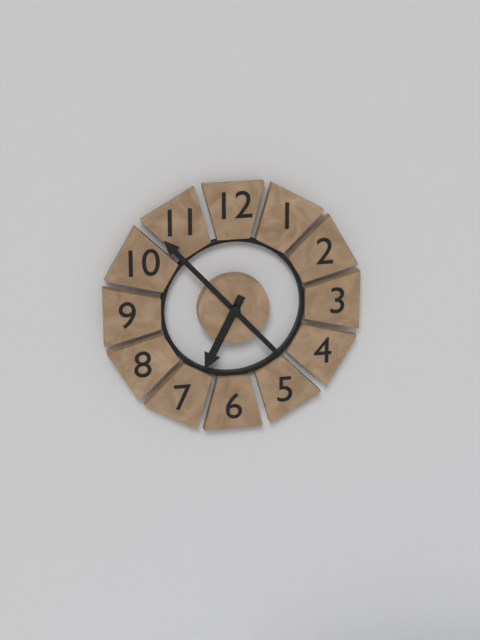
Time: {"hour": 6, "minute": 53}
